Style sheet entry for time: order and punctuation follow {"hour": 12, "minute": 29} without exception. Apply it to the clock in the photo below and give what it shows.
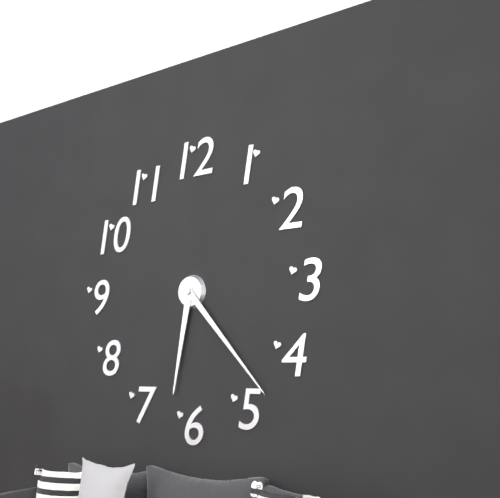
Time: {"hour": 6, "minute": 23}
